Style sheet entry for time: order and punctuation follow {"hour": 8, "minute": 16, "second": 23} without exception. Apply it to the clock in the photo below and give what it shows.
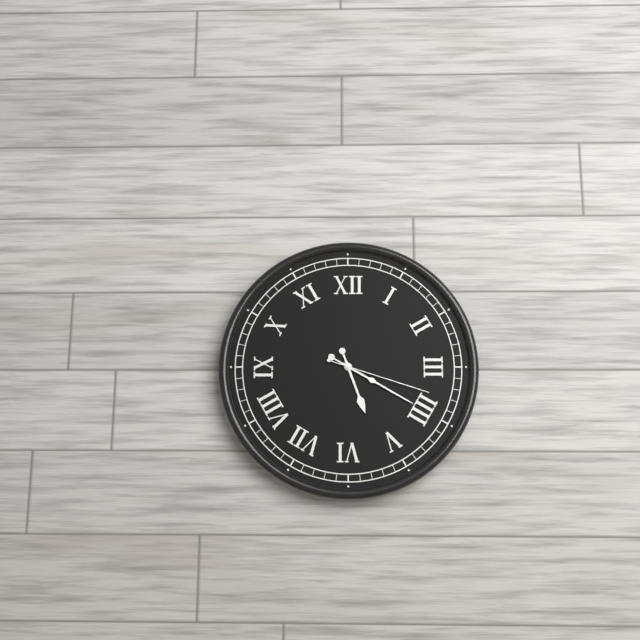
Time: {"hour": 5, "minute": 20, "second": 18}
